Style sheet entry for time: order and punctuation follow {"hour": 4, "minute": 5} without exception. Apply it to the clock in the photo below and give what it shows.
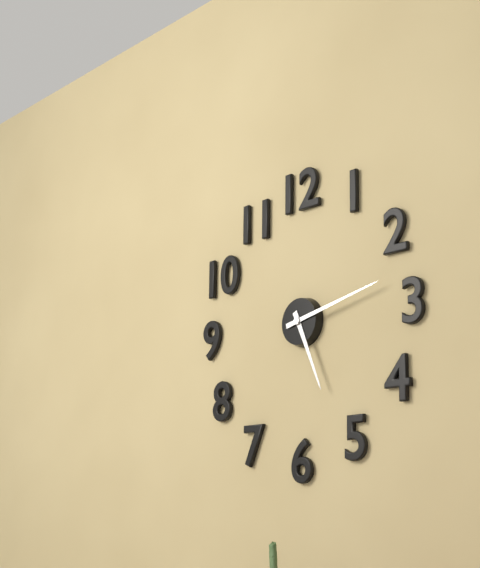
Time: {"hour": 5, "minute": 13}
